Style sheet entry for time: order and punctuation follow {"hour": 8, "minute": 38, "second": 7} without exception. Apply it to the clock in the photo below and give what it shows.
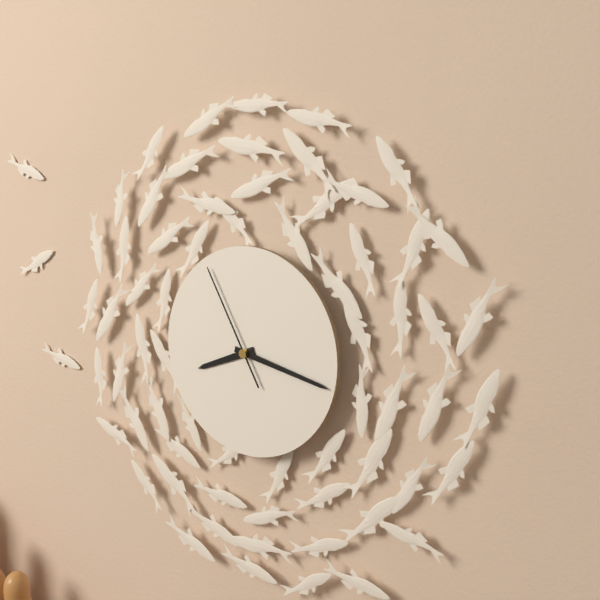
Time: {"hour": 8, "minute": 17, "second": 55}
